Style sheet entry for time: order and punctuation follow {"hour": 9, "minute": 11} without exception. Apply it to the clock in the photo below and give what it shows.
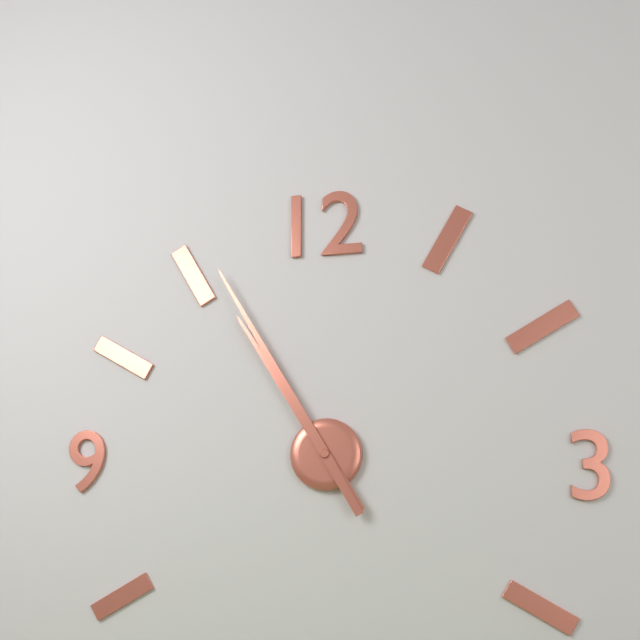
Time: {"hour": 10, "minute": 55}
